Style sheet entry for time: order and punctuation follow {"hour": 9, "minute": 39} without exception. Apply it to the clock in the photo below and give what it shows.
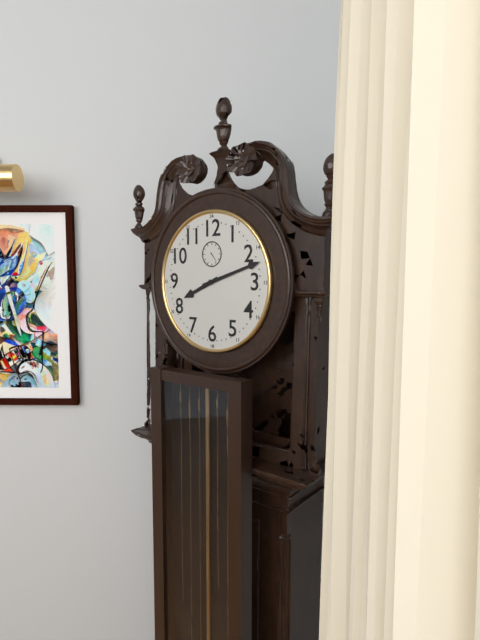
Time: {"hour": 8, "minute": 12}
